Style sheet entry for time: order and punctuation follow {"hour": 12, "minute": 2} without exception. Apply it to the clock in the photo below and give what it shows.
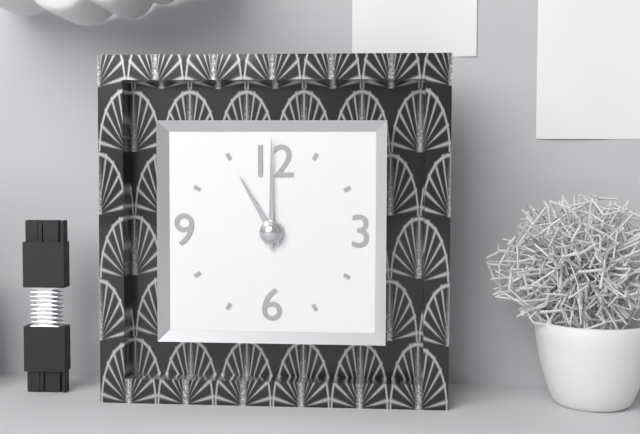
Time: {"hour": 11, "minute": 0}
